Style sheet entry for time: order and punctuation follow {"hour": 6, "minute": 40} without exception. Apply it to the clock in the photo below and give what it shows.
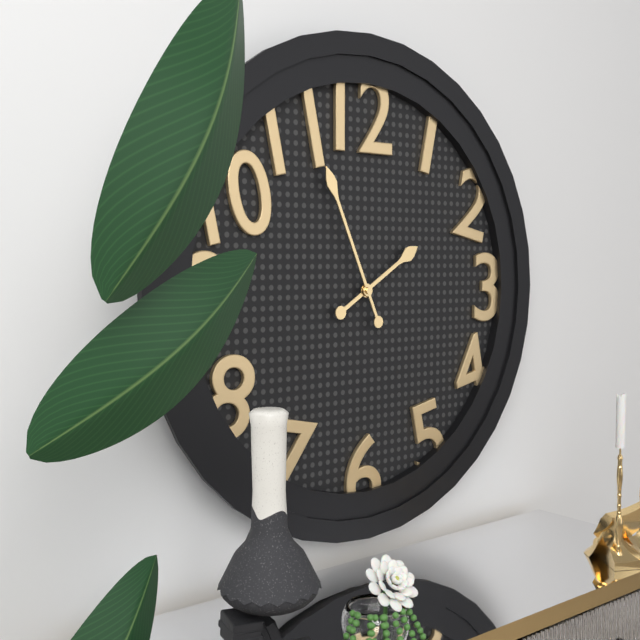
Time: {"hour": 1, "minute": 56}
